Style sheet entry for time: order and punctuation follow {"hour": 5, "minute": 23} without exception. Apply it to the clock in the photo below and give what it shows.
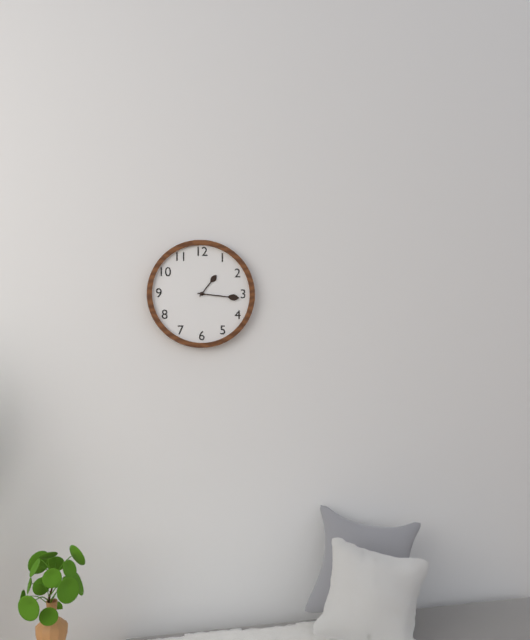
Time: {"hour": 1, "minute": 16}
